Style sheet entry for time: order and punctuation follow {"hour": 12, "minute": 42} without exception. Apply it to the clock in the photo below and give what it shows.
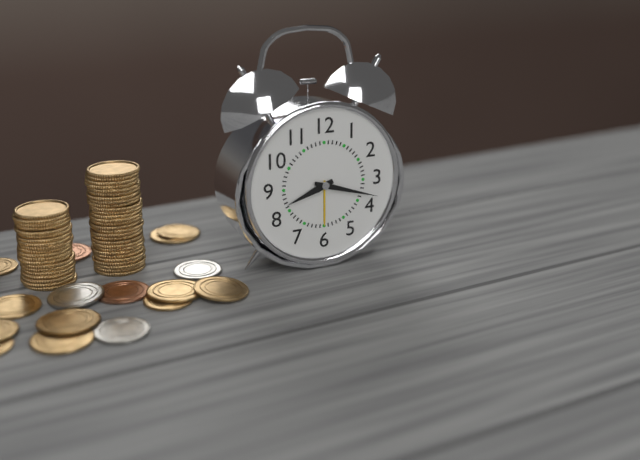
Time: {"hour": 8, "minute": 18}
